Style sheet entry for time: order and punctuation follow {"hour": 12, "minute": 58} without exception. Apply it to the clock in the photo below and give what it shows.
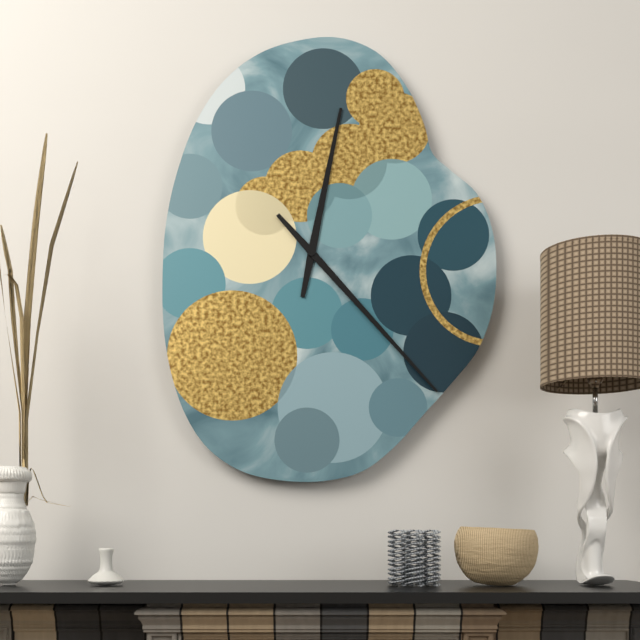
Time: {"hour": 12, "minute": 23}
